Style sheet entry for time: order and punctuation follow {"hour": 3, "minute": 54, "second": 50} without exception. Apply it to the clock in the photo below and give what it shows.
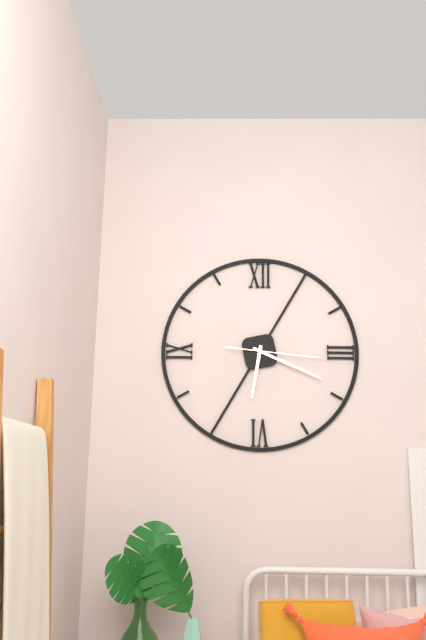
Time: {"hour": 6, "minute": 19, "second": 16}
